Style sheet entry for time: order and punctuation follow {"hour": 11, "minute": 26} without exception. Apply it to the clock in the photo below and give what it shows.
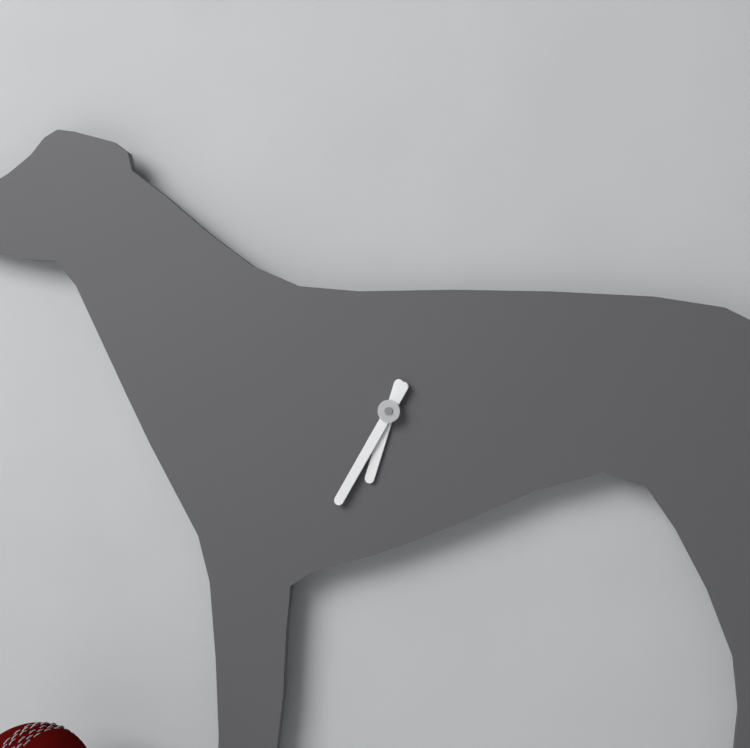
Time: {"hour": 6, "minute": 35}
